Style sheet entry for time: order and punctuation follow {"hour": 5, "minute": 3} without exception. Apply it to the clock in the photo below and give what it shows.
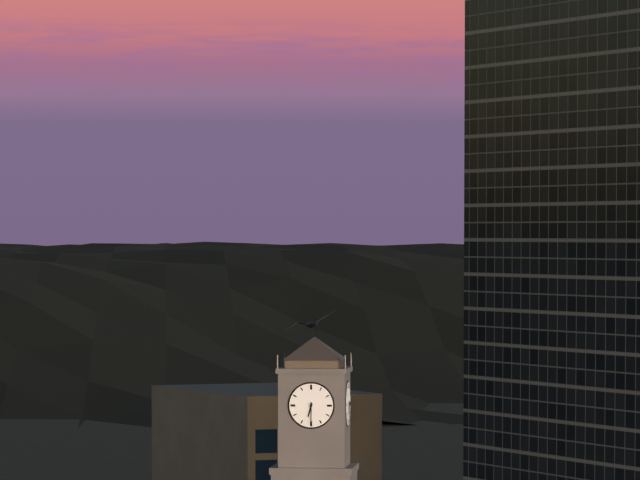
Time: {"hour": 6, "minute": 30}
